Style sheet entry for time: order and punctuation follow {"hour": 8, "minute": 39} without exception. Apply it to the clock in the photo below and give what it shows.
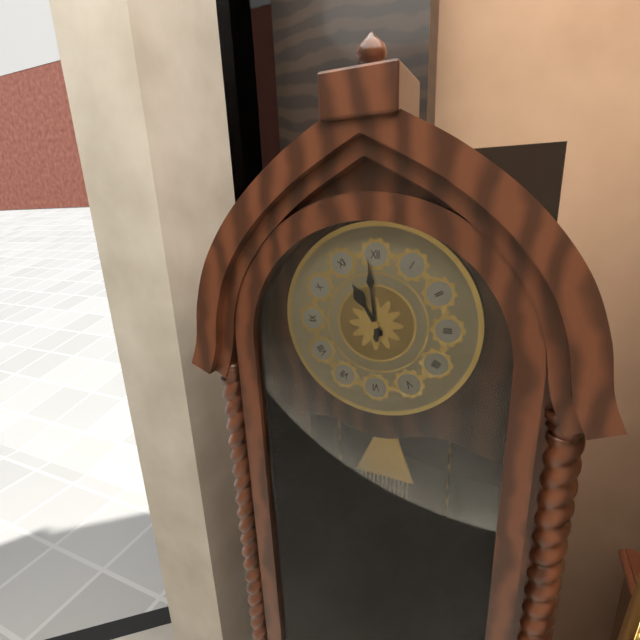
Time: {"hour": 10, "minute": 59}
